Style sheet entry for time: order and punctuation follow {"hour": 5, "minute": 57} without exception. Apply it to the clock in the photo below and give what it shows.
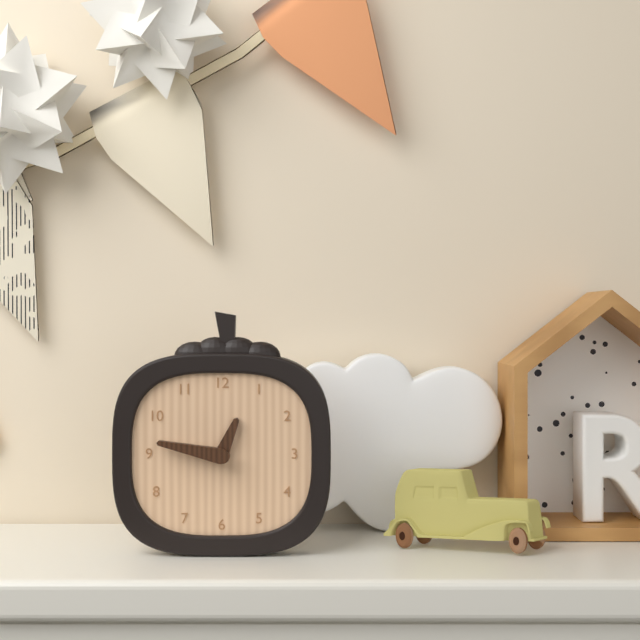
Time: {"hour": 12, "minute": 47}
